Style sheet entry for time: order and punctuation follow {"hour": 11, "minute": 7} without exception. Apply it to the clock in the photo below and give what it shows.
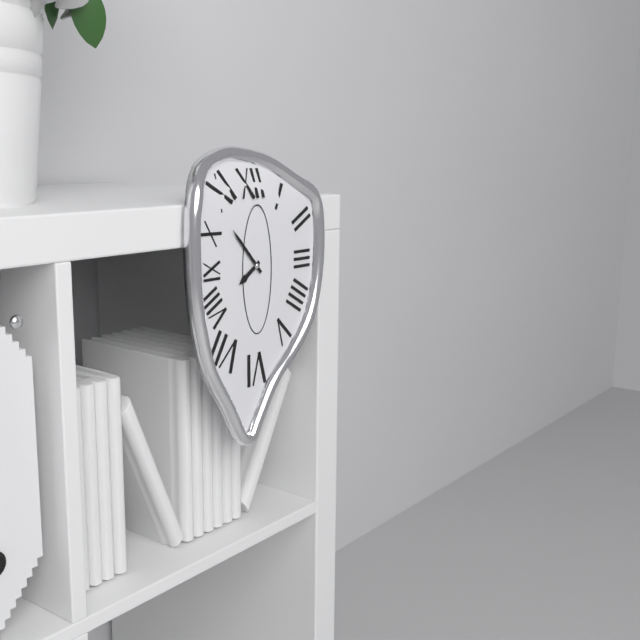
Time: {"hour": 7, "minute": 53}
